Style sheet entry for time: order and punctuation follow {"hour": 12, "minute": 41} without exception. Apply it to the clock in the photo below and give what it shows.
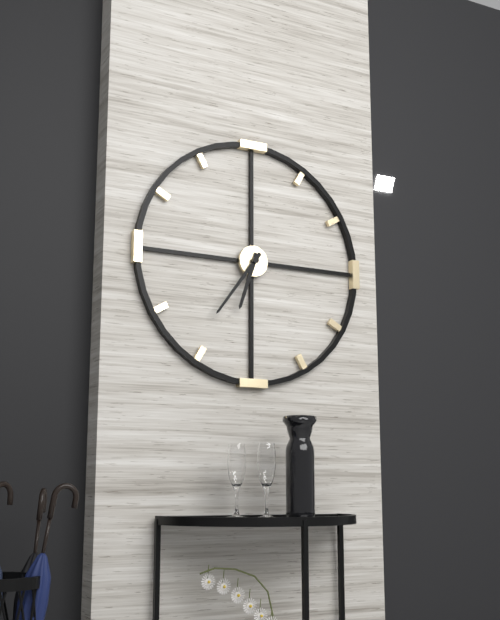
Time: {"hour": 6, "minute": 36}
